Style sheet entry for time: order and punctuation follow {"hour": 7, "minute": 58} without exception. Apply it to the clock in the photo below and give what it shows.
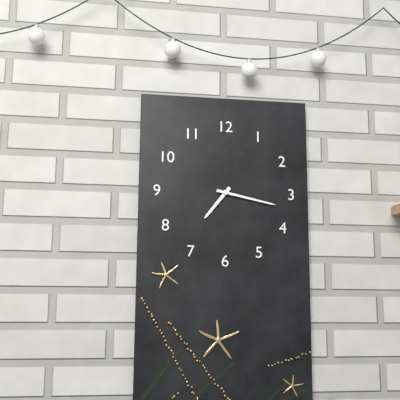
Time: {"hour": 7, "minute": 17}
